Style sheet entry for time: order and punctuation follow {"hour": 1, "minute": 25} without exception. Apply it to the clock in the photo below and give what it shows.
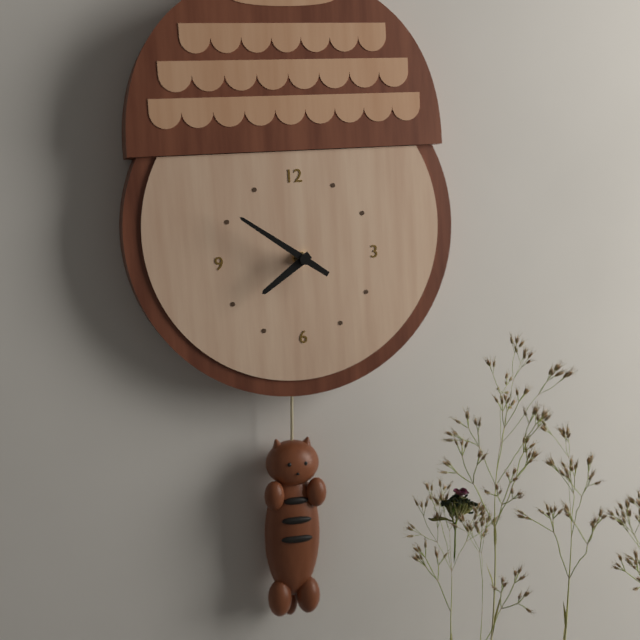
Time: {"hour": 7, "minute": 51}
